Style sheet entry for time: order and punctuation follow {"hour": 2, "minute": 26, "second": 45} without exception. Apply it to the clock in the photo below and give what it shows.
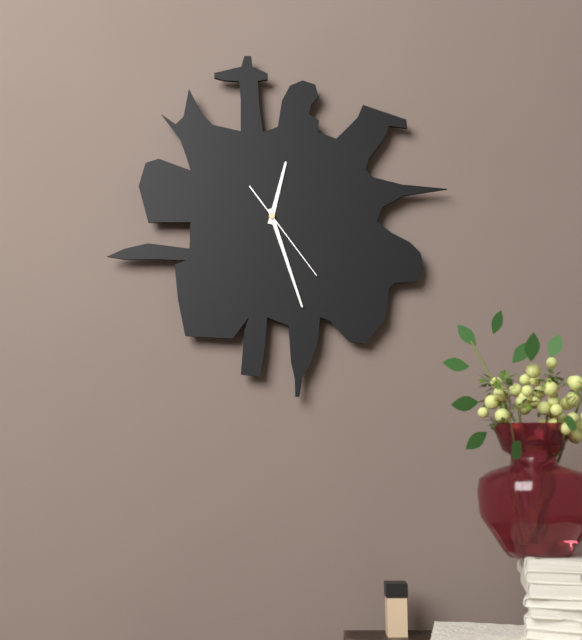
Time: {"hour": 12, "minute": 27, "second": 24}
